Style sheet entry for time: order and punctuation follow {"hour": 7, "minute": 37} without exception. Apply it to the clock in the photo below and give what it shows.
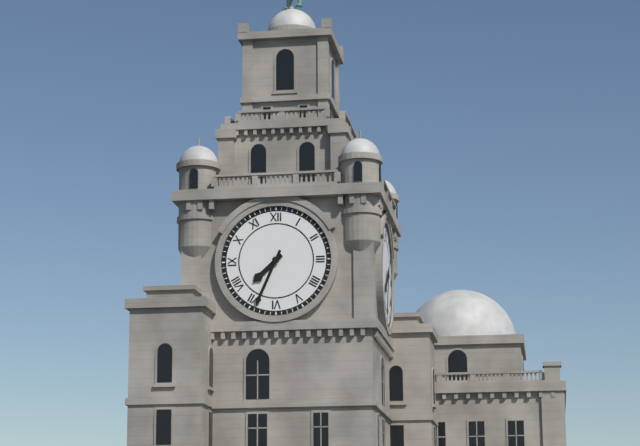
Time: {"hour": 7, "minute": 34}
